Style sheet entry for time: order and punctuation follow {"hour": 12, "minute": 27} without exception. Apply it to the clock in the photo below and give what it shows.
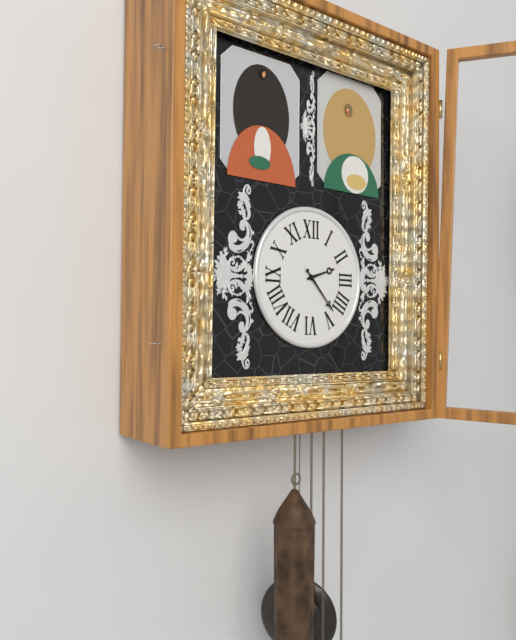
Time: {"hour": 2, "minute": 23}
